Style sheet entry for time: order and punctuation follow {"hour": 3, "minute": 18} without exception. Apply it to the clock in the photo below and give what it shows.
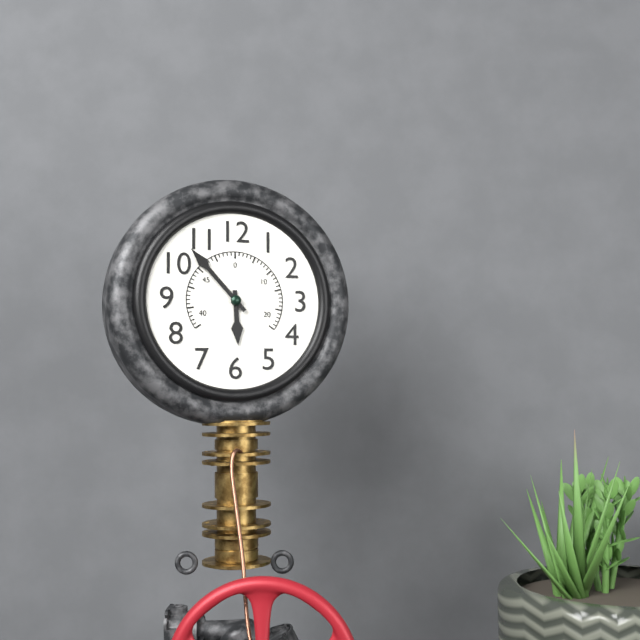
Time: {"hour": 5, "minute": 53}
